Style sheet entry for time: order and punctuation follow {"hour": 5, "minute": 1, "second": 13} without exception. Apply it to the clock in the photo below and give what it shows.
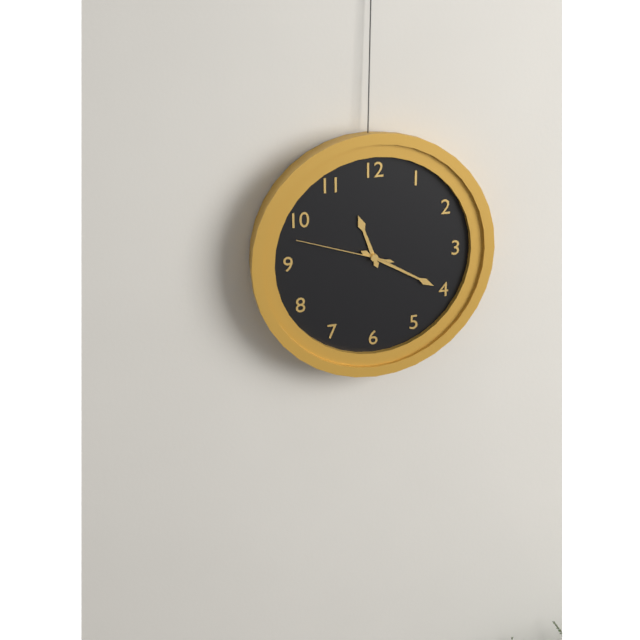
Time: {"hour": 11, "minute": 20, "second": 48}
